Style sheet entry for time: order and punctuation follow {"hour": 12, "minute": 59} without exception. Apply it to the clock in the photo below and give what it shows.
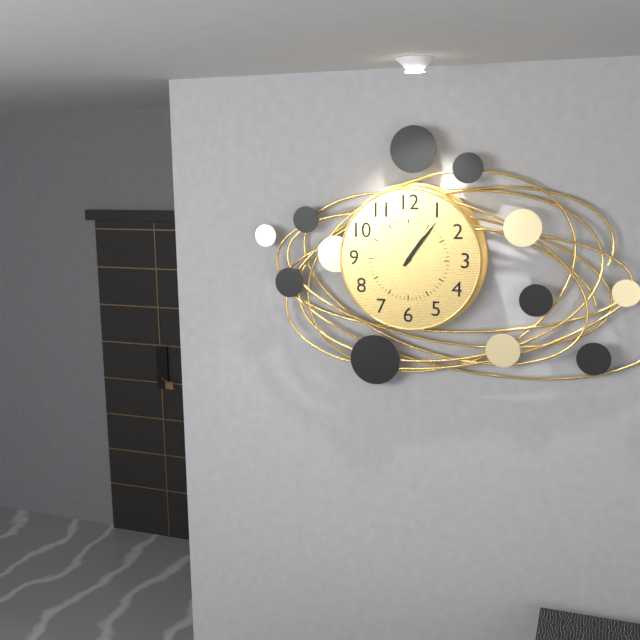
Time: {"hour": 1, "minute": 6}
